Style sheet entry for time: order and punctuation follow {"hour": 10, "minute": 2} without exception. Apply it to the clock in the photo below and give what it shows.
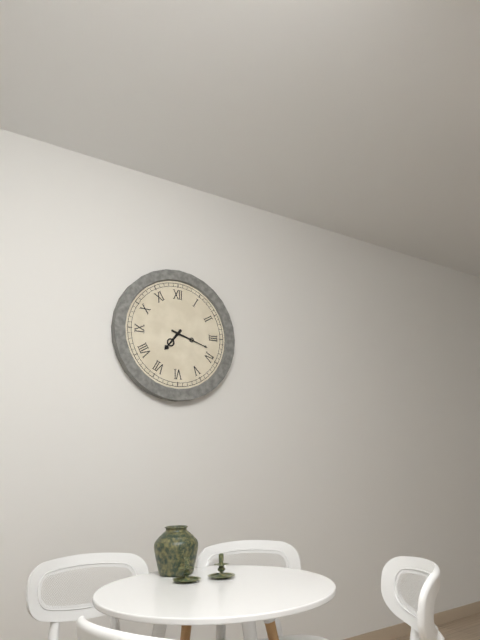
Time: {"hour": 7, "minute": 18}
